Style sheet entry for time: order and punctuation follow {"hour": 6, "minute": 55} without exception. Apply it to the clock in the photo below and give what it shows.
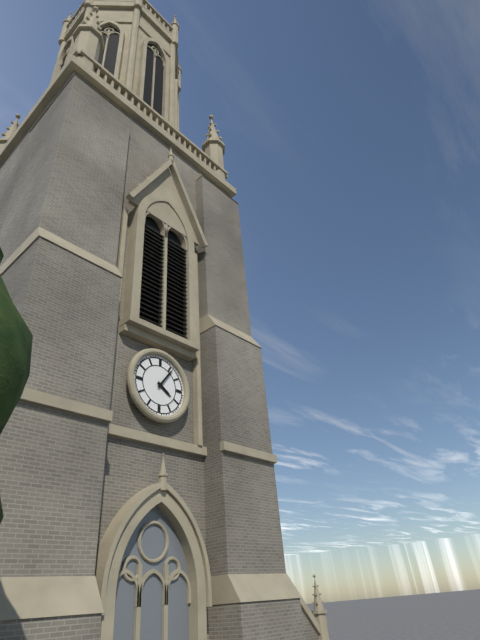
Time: {"hour": 4, "minute": 6}
